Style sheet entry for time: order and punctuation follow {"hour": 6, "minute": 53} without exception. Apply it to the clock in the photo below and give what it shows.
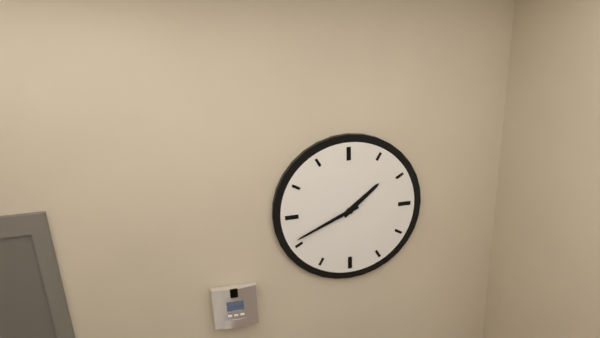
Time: {"hour": 1, "minute": 41}
